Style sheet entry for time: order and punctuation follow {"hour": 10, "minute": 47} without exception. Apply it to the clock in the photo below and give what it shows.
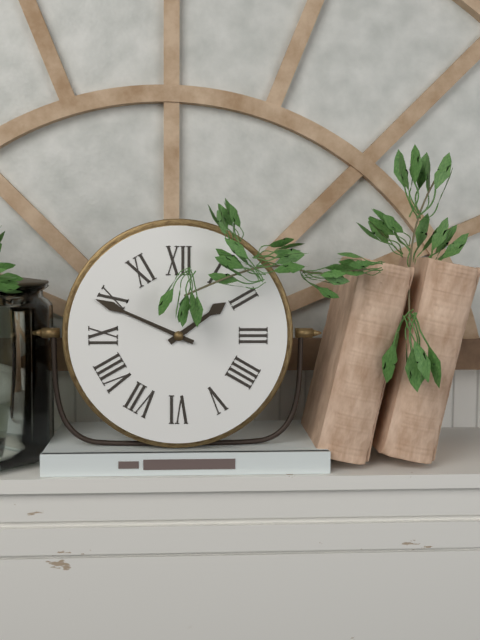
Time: {"hour": 1, "minute": 49}
